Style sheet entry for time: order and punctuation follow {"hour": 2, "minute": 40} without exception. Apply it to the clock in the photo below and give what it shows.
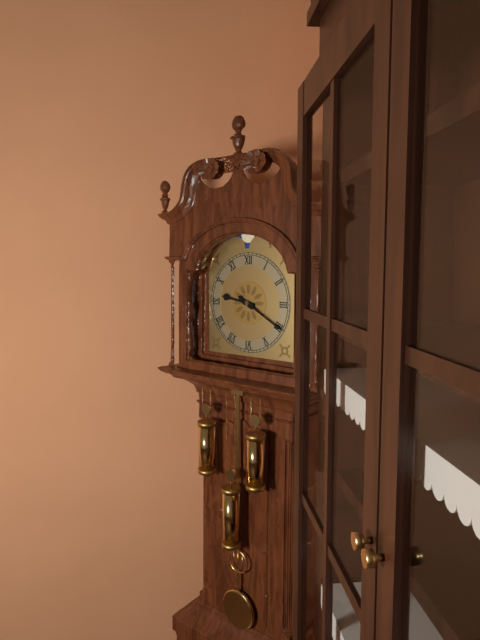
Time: {"hour": 9, "minute": 20}
